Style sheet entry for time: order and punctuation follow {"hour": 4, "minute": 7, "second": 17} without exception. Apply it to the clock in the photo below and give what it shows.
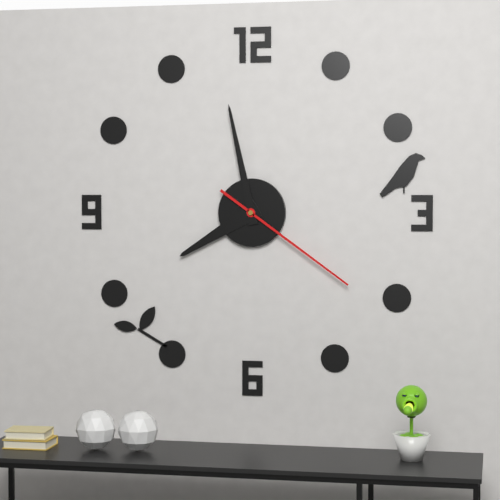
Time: {"hour": 7, "minute": 58, "second": 21}
